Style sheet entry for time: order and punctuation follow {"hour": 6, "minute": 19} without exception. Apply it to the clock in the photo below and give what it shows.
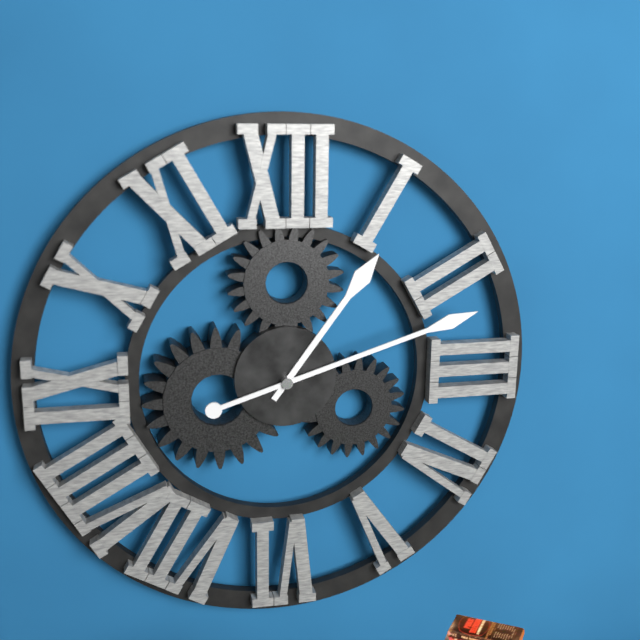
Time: {"hour": 1, "minute": 12}
